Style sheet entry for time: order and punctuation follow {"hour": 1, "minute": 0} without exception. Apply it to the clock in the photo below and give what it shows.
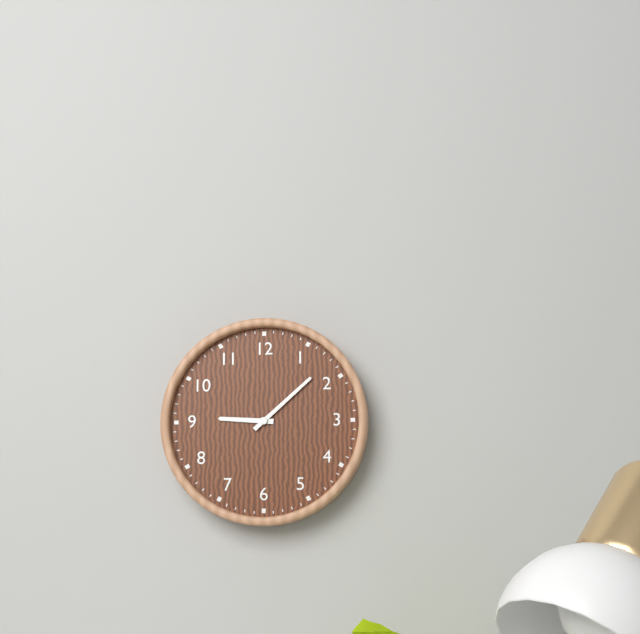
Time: {"hour": 9, "minute": 8}
